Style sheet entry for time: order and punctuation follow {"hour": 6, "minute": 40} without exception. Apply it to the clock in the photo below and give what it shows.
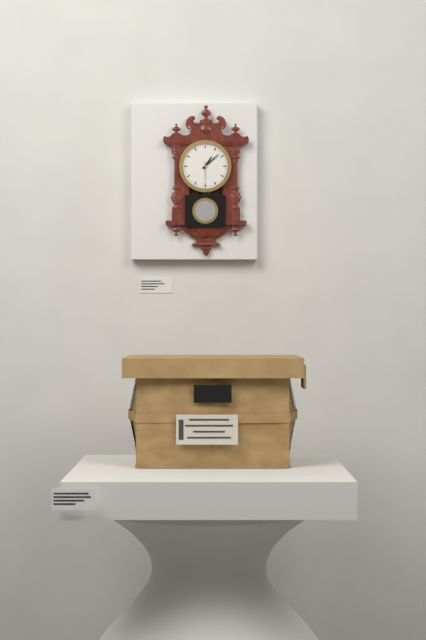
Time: {"hour": 1, "minute": 8}
